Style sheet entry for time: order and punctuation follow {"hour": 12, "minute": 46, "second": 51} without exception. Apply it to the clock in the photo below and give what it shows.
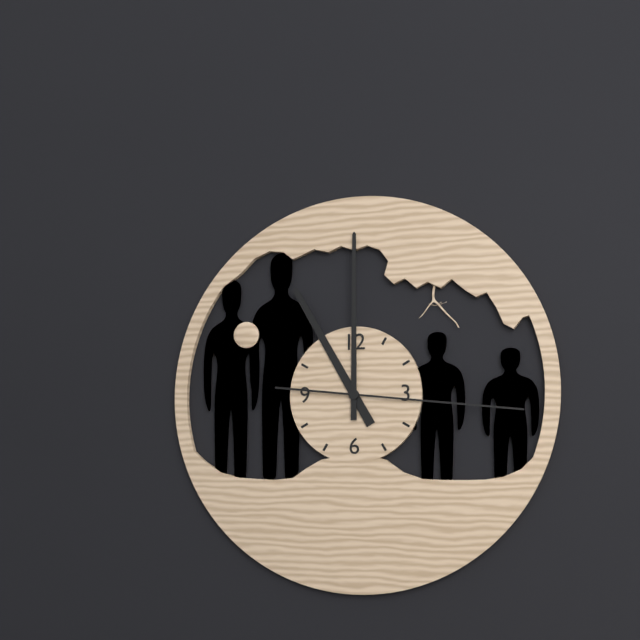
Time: {"hour": 11, "minute": 0, "second": 16}
